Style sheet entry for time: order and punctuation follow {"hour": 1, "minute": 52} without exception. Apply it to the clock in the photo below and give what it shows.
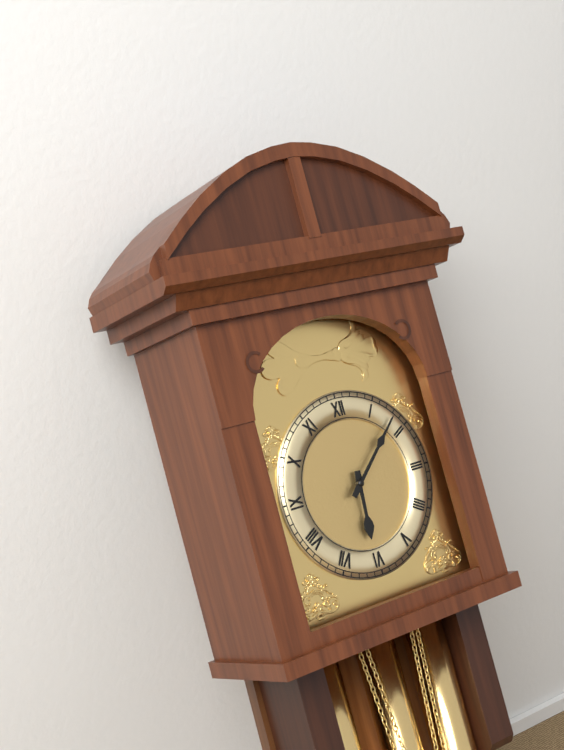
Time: {"hour": 6, "minute": 8}
